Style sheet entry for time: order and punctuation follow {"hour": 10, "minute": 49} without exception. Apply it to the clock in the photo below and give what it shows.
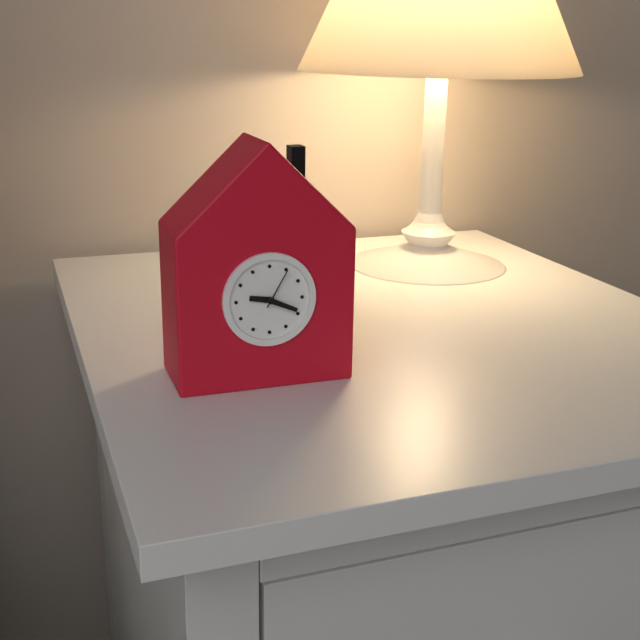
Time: {"hour": 9, "minute": 19}
